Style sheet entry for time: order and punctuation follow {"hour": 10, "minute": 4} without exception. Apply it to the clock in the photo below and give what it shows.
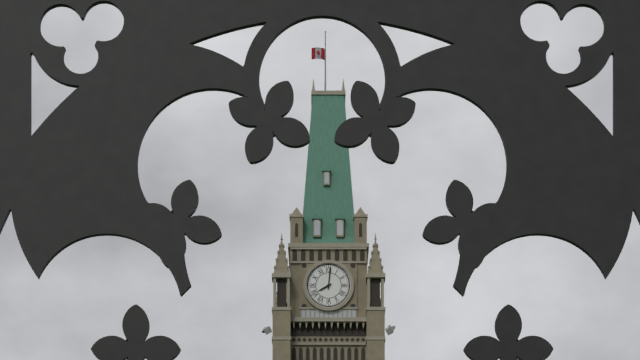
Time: {"hour": 8, "minute": 1}
